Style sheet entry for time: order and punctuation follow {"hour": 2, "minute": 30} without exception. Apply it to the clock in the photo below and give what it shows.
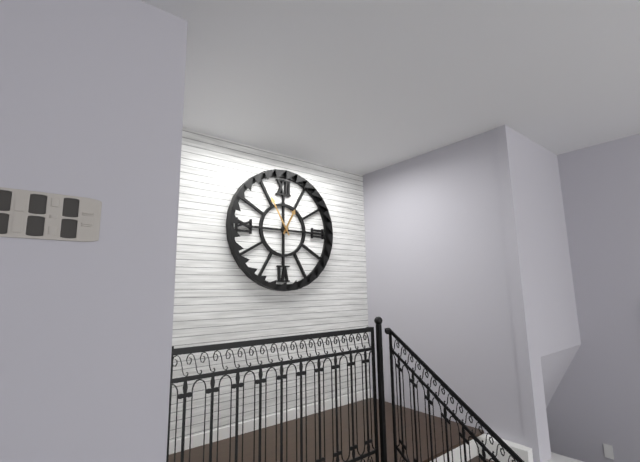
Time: {"hour": 12, "minute": 55}
